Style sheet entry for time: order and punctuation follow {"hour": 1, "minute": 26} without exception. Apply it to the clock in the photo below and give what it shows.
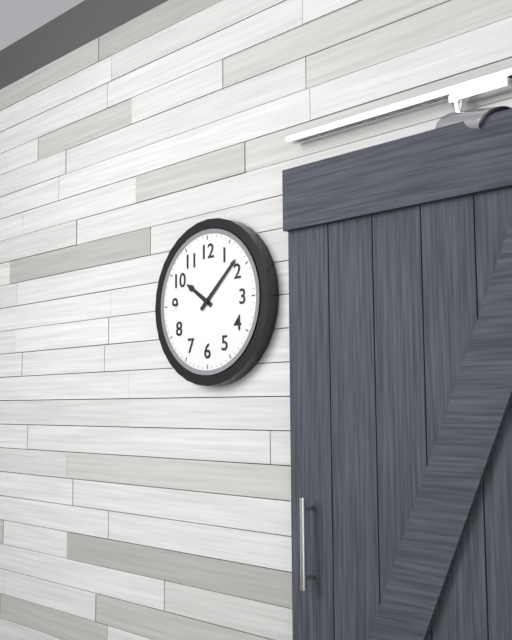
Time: {"hour": 10, "minute": 8}
